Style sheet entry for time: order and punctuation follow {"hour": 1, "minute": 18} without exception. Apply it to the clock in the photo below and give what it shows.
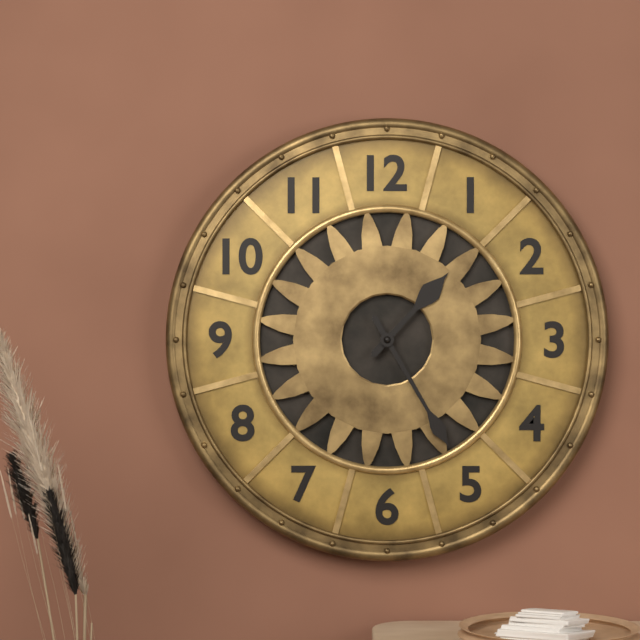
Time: {"hour": 1, "minute": 25}
